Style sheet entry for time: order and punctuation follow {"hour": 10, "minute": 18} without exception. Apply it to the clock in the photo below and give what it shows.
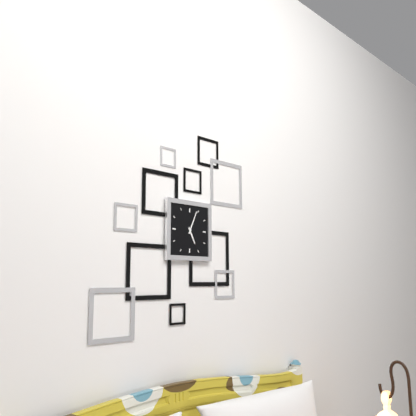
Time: {"hour": 5, "minute": 4}
